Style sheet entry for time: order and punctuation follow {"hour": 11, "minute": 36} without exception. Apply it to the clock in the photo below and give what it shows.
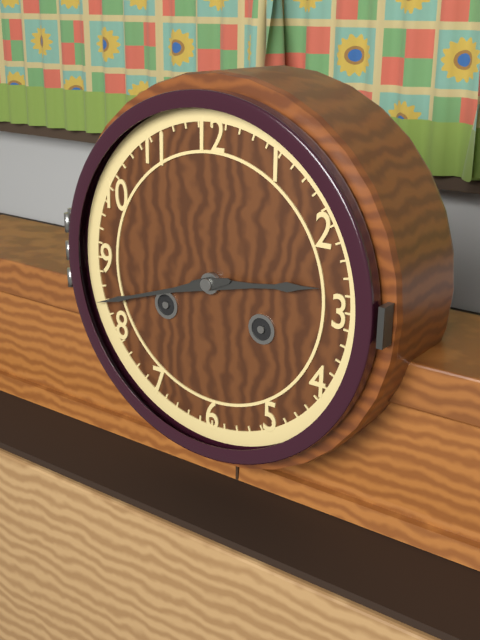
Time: {"hour": 2, "minute": 42}
